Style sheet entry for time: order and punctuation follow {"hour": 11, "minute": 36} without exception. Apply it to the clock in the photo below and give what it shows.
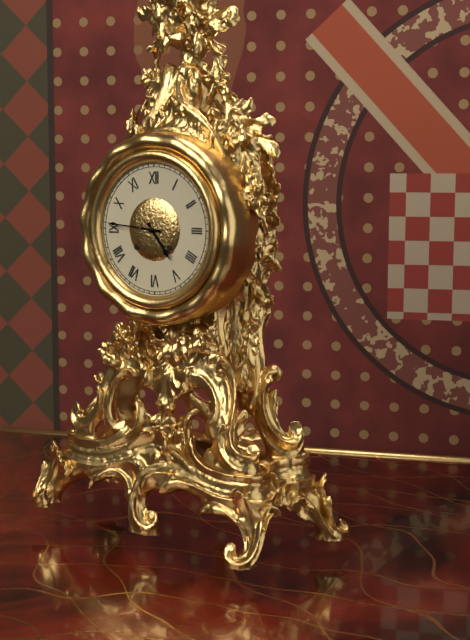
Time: {"hour": 4, "minute": 46}
